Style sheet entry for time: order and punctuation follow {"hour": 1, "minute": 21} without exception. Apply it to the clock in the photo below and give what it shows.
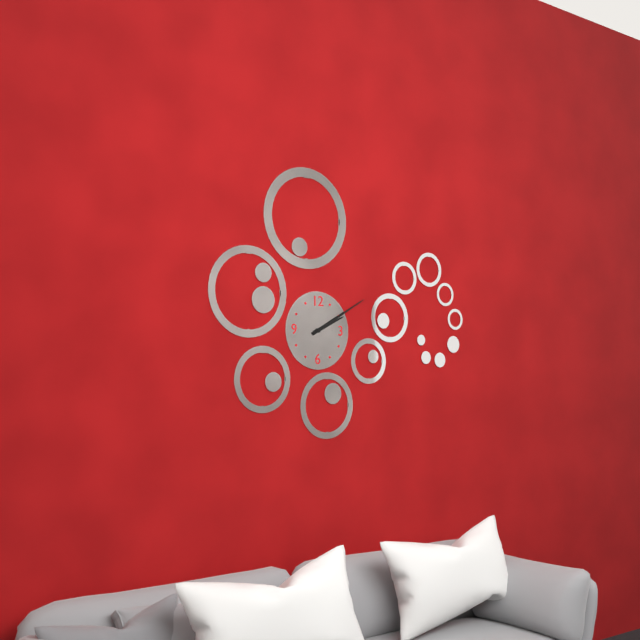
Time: {"hour": 2, "minute": 10}
